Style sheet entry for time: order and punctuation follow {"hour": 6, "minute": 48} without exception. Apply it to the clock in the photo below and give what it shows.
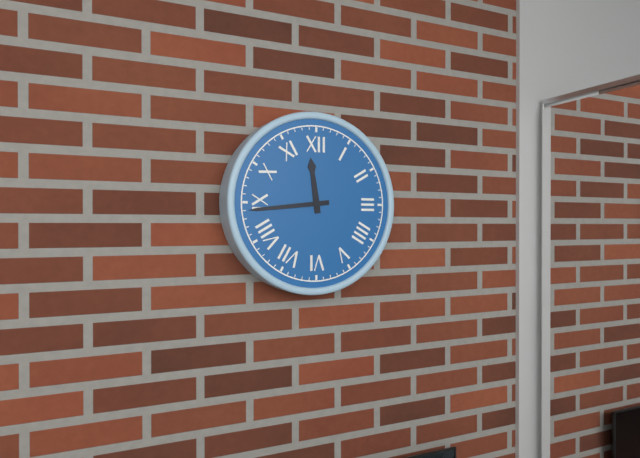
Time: {"hour": 11, "minute": 44}
